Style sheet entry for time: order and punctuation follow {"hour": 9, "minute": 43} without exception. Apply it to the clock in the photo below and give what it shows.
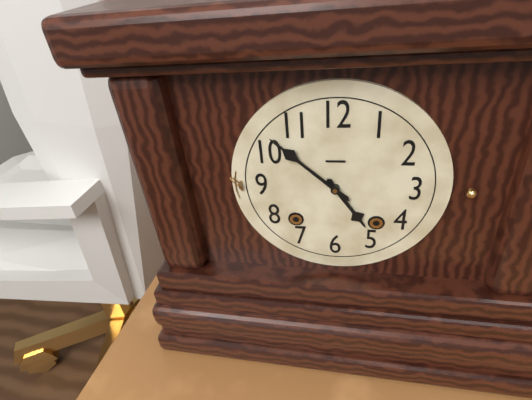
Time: {"hour": 4, "minute": 52}
